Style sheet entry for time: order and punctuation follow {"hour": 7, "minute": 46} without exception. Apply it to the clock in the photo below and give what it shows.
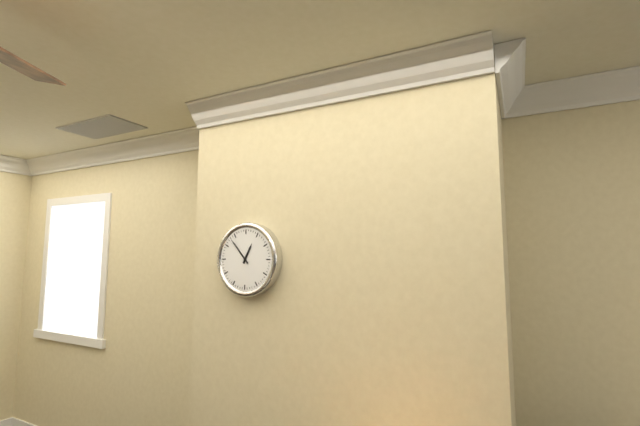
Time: {"hour": 12, "minute": 53}
